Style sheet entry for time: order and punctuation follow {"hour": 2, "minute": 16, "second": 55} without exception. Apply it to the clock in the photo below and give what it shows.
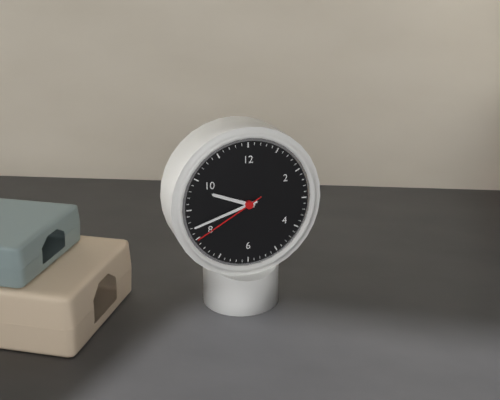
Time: {"hour": 9, "minute": 42, "second": 40}
